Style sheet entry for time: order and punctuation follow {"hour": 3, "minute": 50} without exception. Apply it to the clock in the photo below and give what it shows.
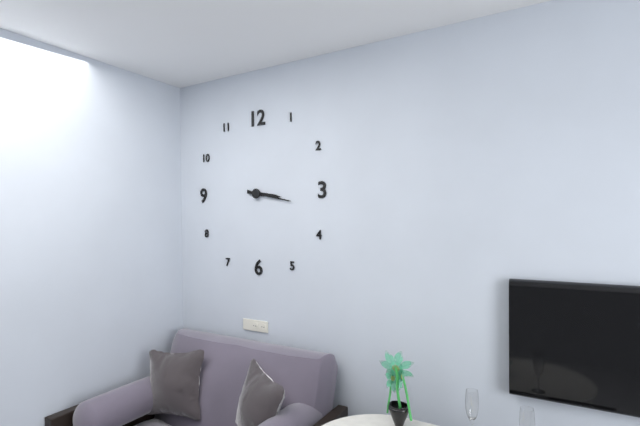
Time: {"hour": 3, "minute": 17}
